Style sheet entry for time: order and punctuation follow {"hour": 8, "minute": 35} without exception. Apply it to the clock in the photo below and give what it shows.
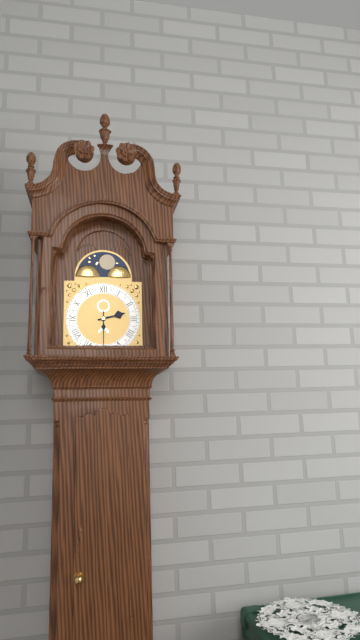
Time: {"hour": 2, "minute": 30}
